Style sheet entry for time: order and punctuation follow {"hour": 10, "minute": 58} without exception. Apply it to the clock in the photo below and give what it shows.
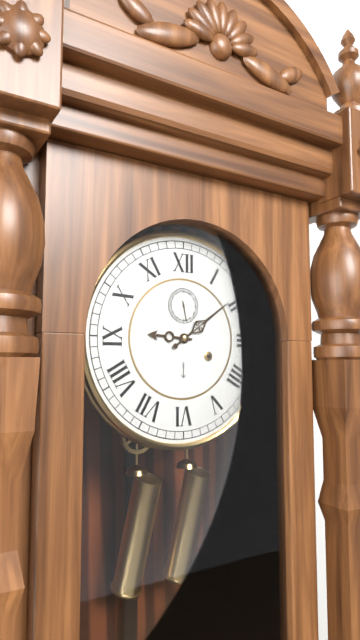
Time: {"hour": 9, "minute": 9}
